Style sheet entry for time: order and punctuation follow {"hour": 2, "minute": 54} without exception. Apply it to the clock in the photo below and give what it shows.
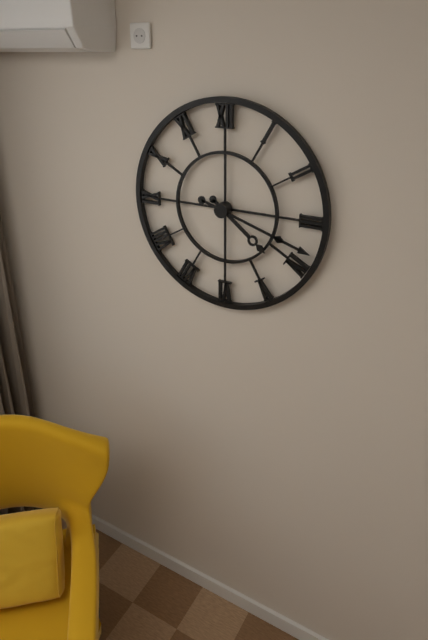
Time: {"hour": 4, "minute": 18}
